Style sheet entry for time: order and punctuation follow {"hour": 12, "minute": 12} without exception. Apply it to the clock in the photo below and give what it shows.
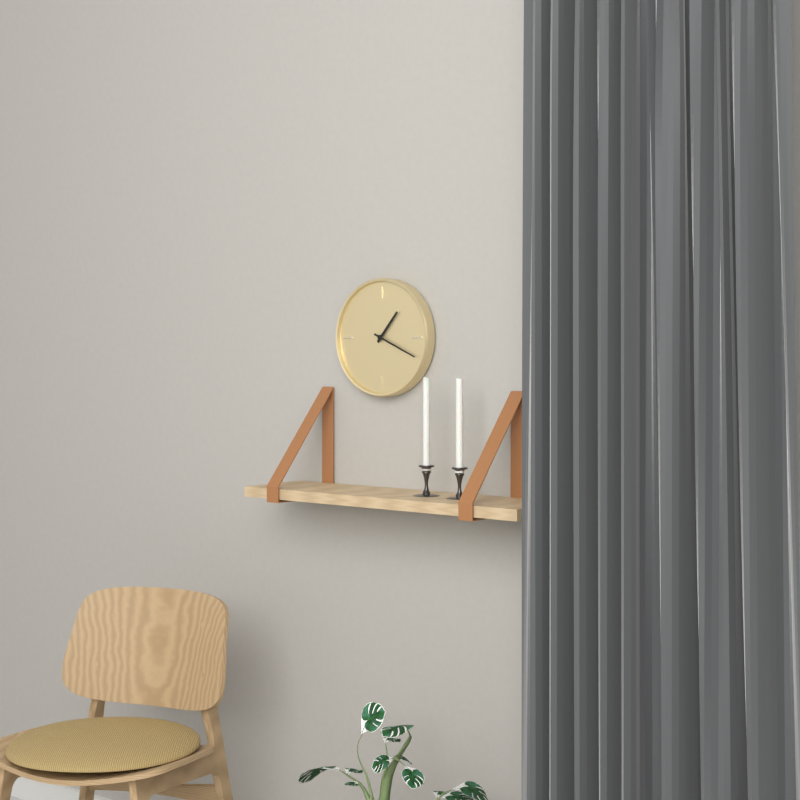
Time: {"hour": 1, "minute": 19}
